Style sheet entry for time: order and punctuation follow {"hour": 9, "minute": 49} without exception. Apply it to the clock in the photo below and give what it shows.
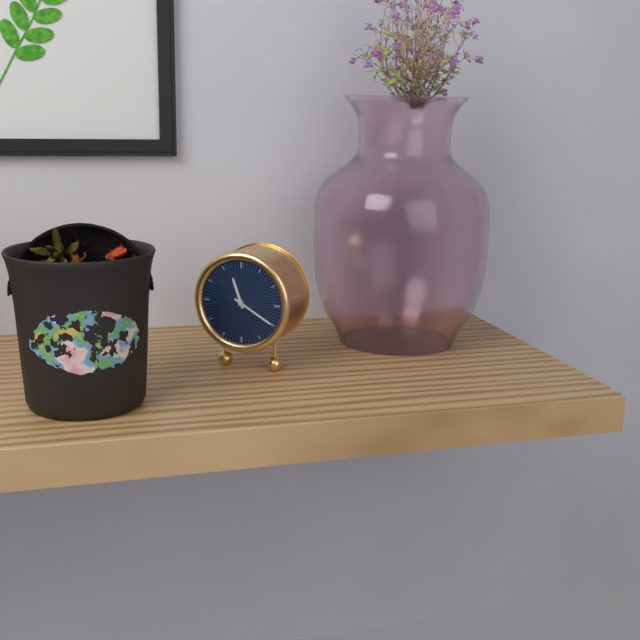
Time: {"hour": 11, "minute": 20}
